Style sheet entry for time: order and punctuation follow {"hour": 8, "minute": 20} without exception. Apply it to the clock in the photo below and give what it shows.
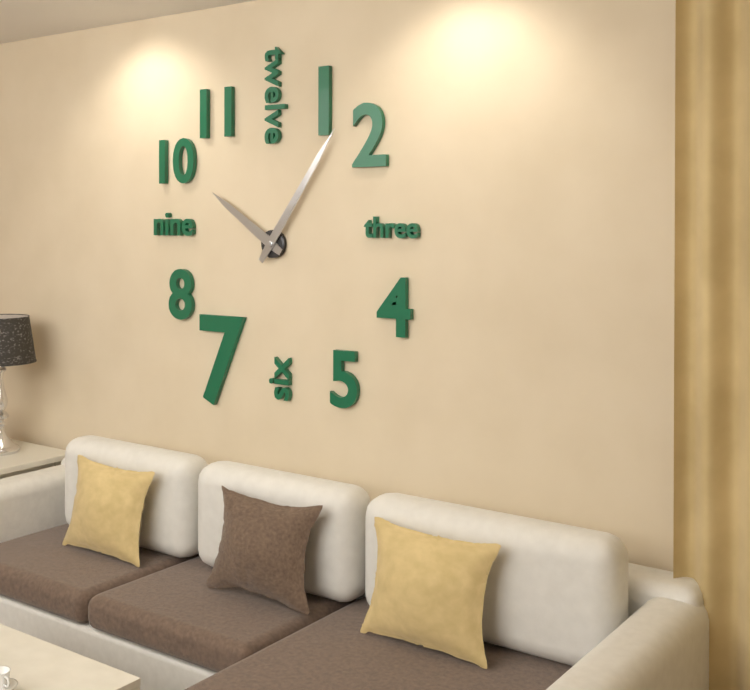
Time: {"hour": 10, "minute": 6}
